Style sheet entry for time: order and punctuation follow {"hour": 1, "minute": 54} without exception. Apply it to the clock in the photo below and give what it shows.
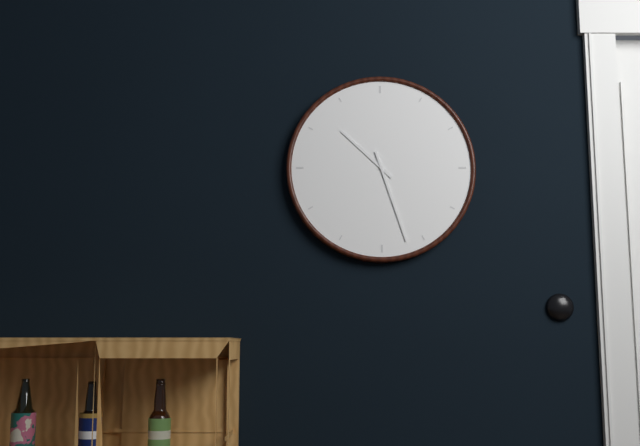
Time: {"hour": 10, "minute": 27}
